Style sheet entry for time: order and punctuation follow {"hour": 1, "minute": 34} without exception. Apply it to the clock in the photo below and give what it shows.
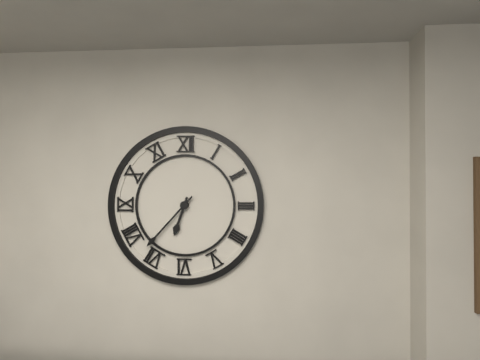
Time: {"hour": 6, "minute": 37}
